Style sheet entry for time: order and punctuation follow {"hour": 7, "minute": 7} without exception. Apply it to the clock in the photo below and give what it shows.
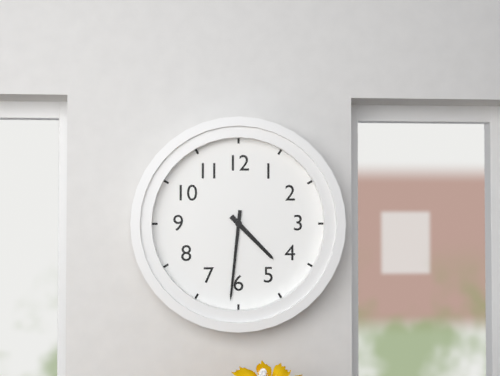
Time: {"hour": 4, "minute": 31}
